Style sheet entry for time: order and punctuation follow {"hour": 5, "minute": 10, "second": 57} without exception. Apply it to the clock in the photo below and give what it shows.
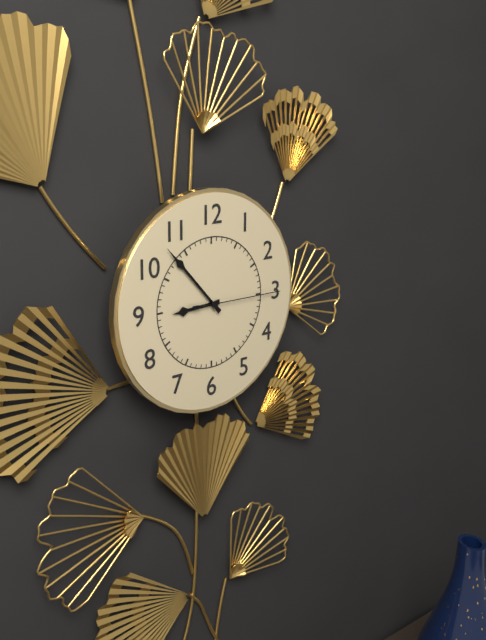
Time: {"hour": 8, "minute": 53, "second": 15}
